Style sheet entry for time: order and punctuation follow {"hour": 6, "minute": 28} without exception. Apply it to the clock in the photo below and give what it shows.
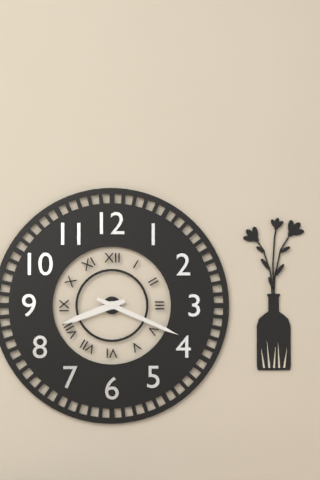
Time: {"hour": 8, "minute": 19}
